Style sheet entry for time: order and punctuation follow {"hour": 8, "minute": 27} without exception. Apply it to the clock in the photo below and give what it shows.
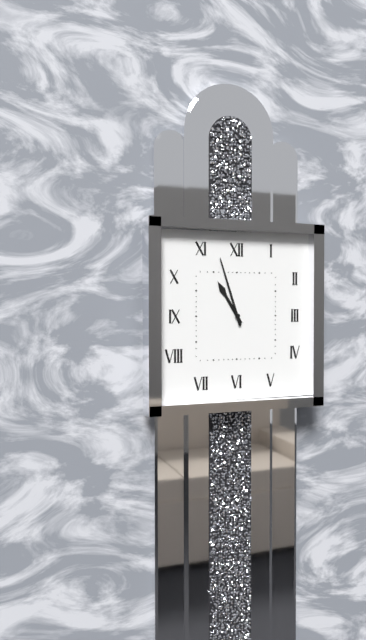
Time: {"hour": 10, "minute": 57}
